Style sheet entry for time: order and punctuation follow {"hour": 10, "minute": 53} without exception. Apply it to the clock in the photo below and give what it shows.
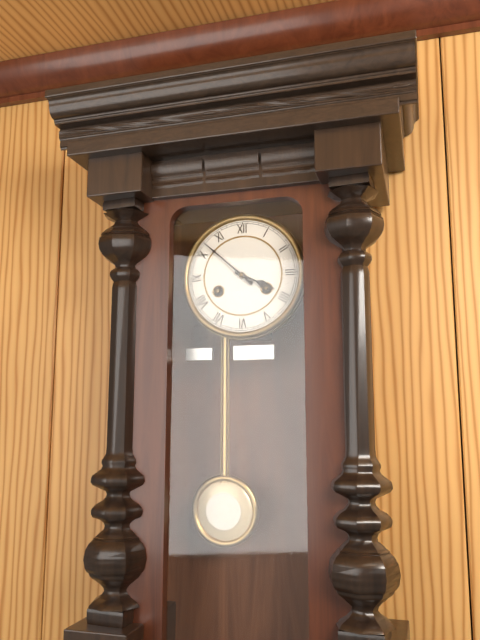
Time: {"hour": 3, "minute": 52}
